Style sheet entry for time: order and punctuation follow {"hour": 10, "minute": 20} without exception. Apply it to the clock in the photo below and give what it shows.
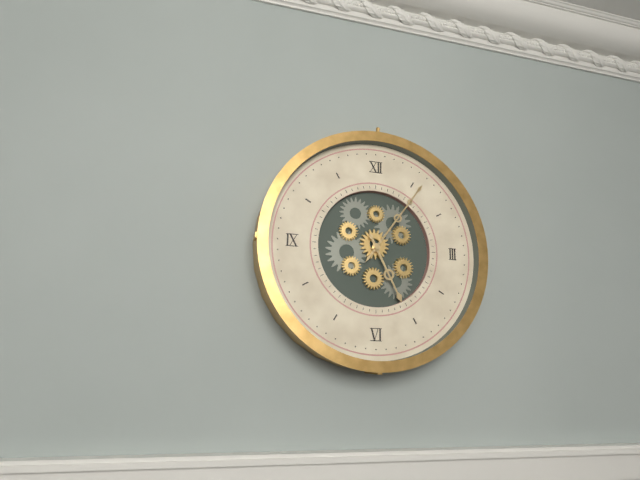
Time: {"hour": 5, "minute": 6}
